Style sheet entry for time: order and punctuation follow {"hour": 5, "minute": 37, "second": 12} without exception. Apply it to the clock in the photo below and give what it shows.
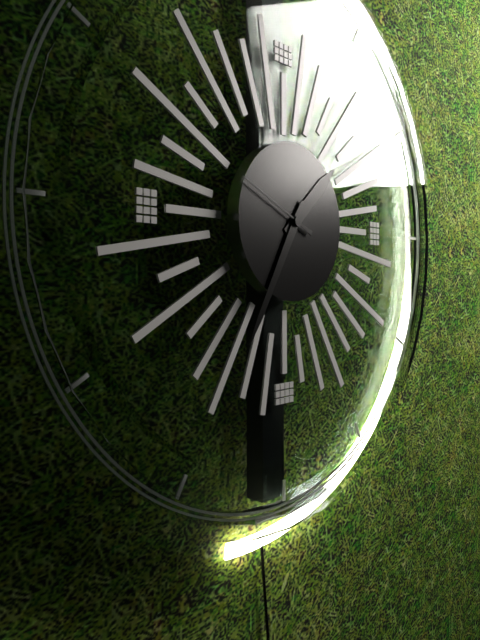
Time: {"hour": 1, "minute": 35, "second": 49}
